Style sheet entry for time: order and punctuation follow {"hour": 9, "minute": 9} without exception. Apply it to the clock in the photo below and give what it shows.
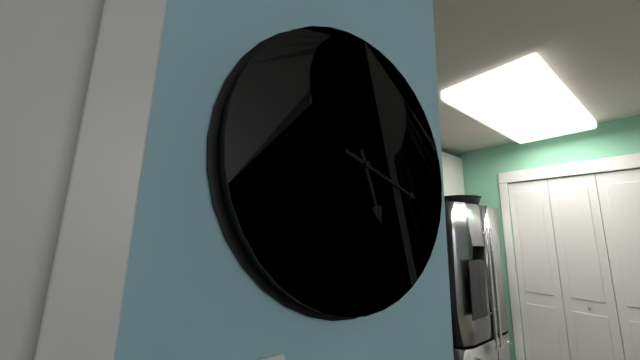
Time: {"hour": 5, "minute": 18}
